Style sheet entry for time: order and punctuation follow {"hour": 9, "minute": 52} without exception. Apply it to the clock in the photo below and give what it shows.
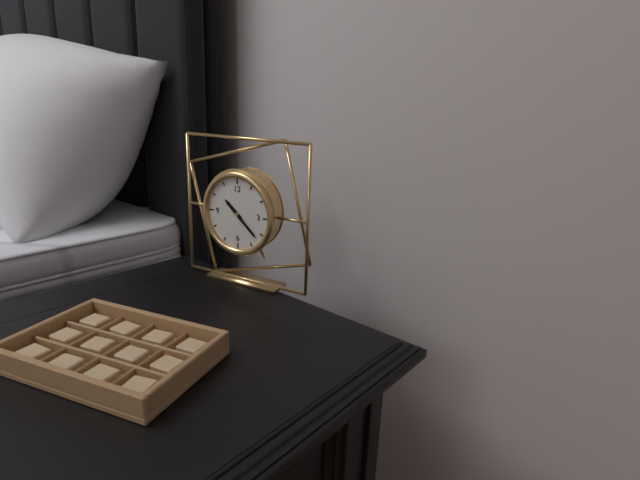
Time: {"hour": 10, "minute": 22}
